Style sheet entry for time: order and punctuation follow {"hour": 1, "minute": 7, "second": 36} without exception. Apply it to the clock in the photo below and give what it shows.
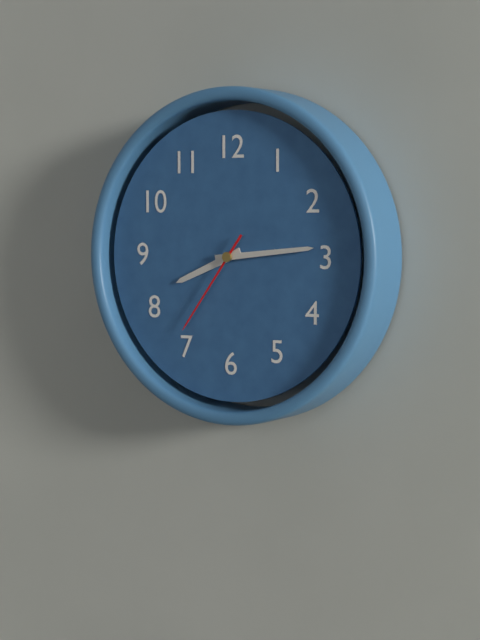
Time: {"hour": 8, "minute": 14, "second": 36}
